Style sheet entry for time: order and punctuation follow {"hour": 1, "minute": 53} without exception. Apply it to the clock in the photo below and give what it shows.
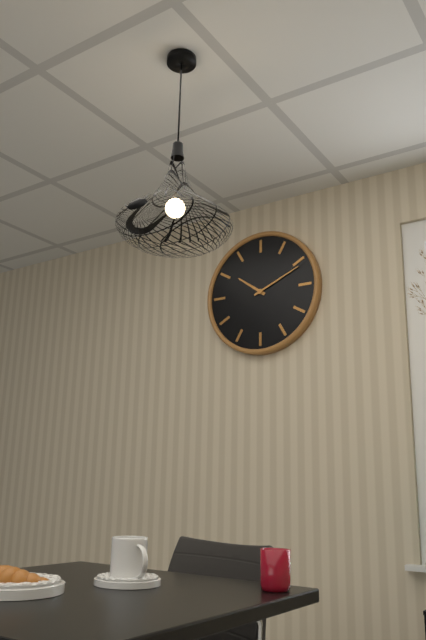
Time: {"hour": 10, "minute": 11}
